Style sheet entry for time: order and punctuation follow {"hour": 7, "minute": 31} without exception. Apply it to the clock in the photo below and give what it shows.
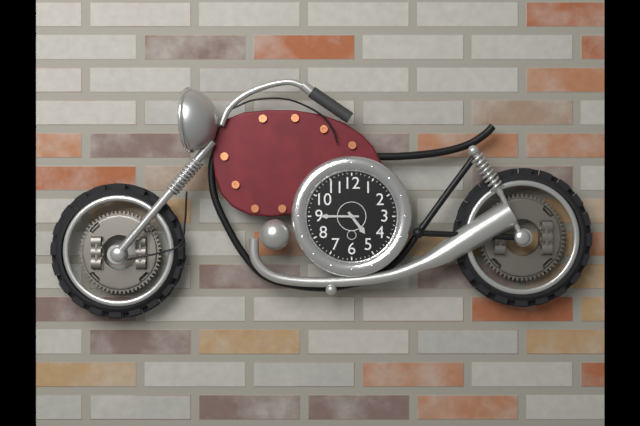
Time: {"hour": 4, "minute": 45}
